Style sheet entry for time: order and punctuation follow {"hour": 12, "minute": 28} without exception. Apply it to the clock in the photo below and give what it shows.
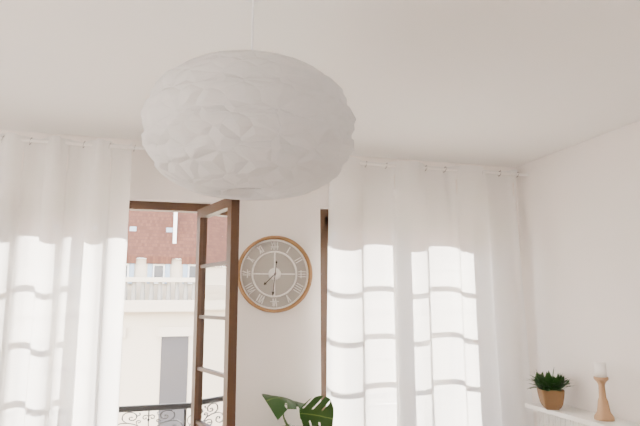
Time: {"hour": 7, "minute": 31}
